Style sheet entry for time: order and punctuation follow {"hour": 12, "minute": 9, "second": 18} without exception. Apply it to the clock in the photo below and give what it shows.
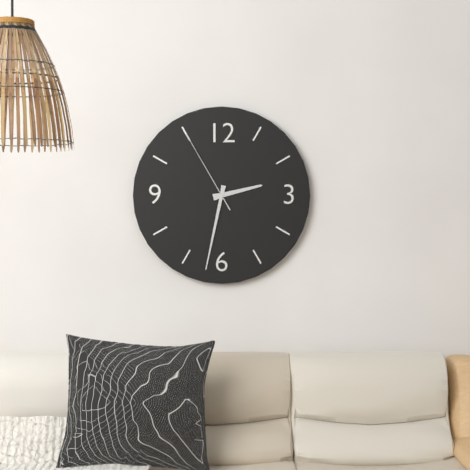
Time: {"hour": 2, "minute": 32, "second": 55}
